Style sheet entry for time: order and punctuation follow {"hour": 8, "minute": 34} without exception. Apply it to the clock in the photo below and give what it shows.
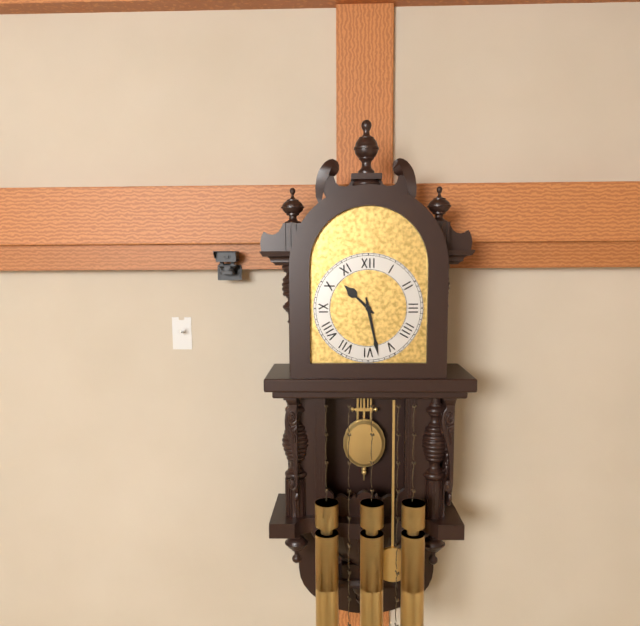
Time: {"hour": 10, "minute": 28}
